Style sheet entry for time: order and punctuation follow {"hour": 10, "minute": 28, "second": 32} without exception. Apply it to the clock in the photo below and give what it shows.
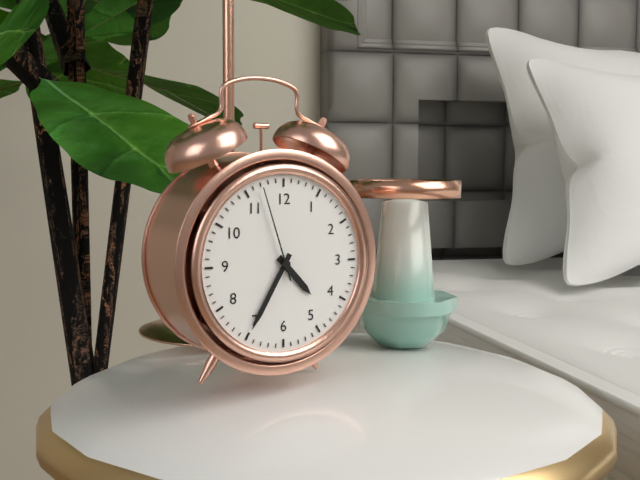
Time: {"hour": 4, "minute": 35, "second": 57}
